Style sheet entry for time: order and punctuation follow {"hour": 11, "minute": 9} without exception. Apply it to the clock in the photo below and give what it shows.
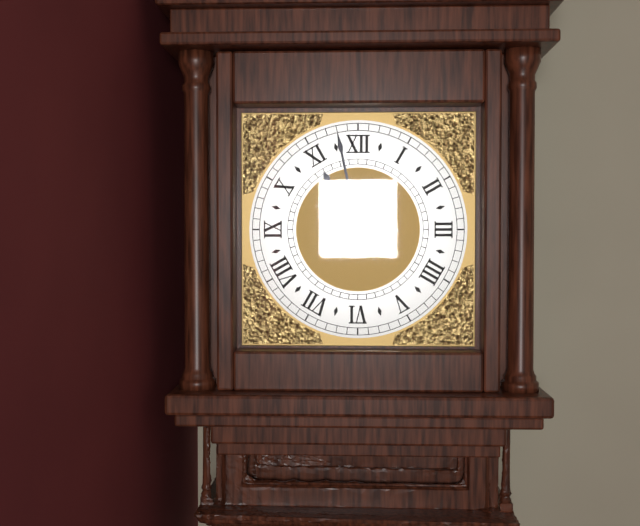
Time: {"hour": 10, "minute": 58}
